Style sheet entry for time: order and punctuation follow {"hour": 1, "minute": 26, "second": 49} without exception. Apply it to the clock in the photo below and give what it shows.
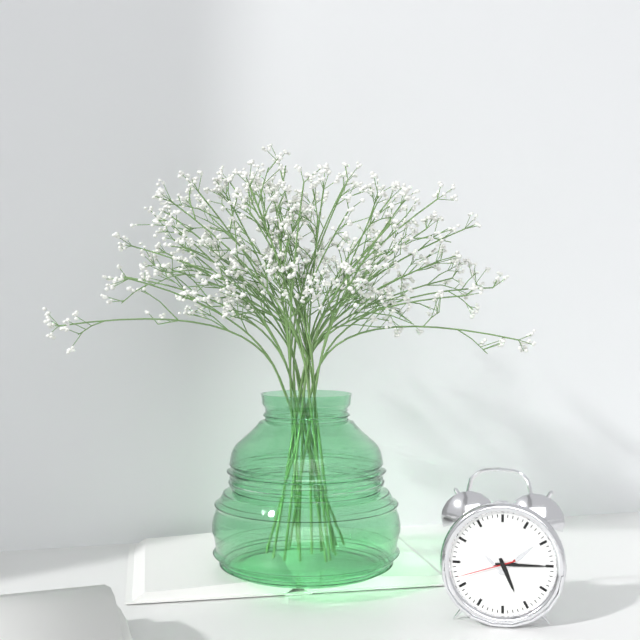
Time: {"hour": 5, "minute": 15, "second": 42}
